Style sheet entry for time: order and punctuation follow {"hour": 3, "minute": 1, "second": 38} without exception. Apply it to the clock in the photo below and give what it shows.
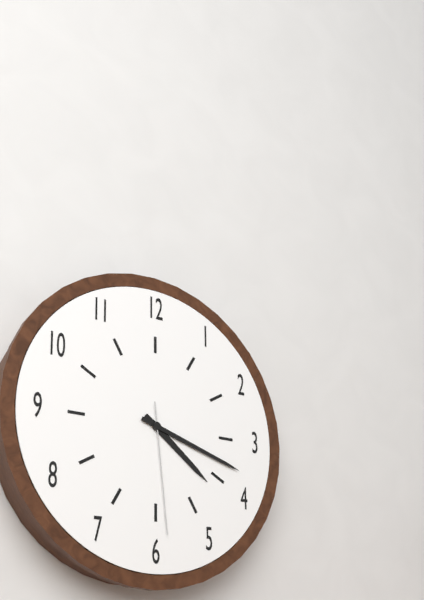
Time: {"hour": 4, "minute": 18, "second": 29}
